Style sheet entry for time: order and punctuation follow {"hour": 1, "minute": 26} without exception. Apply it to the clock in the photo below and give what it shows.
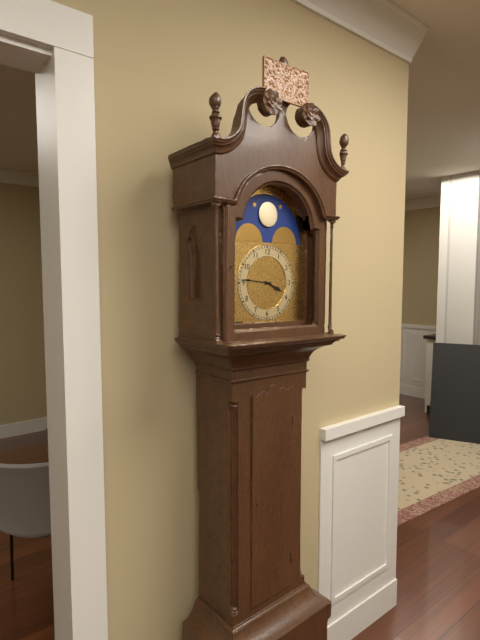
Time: {"hour": 3, "minute": 46}
